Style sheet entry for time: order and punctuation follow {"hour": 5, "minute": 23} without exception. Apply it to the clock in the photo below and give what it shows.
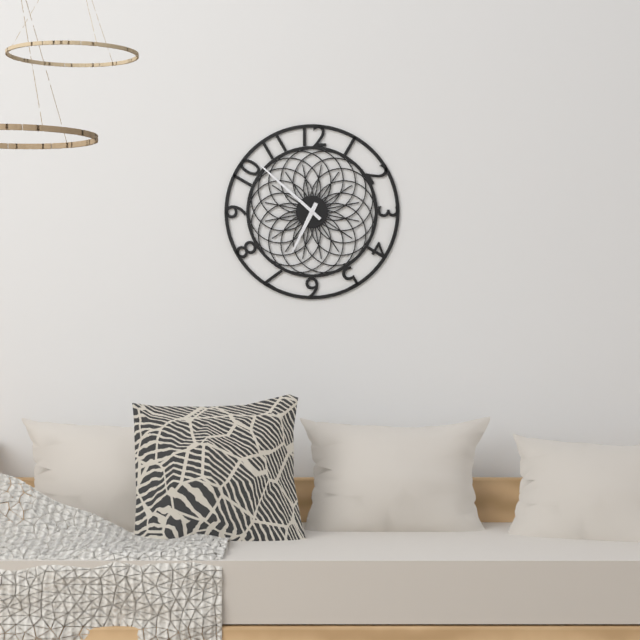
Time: {"hour": 6, "minute": 52}
